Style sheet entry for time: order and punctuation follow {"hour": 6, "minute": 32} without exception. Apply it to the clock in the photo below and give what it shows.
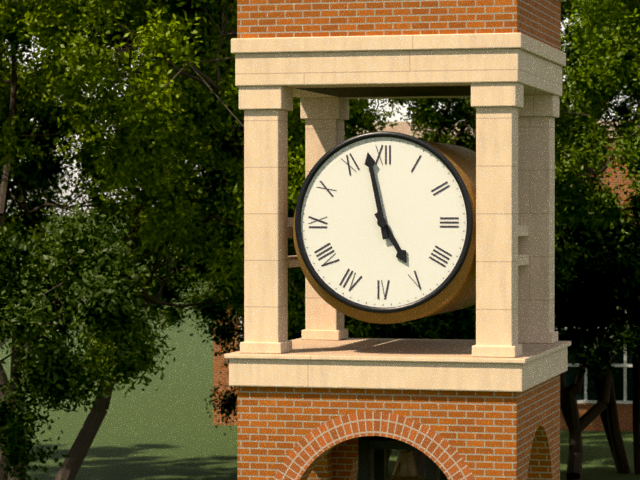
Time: {"hour": 4, "minute": 58}
